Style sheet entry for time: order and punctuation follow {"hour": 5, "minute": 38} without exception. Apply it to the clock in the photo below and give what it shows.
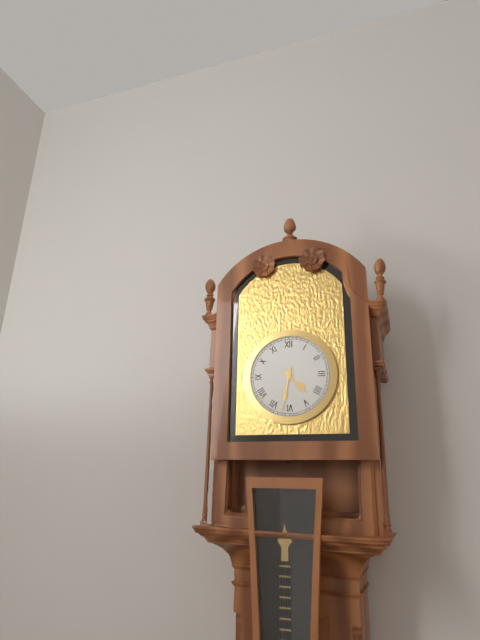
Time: {"hour": 4, "minute": 32}
